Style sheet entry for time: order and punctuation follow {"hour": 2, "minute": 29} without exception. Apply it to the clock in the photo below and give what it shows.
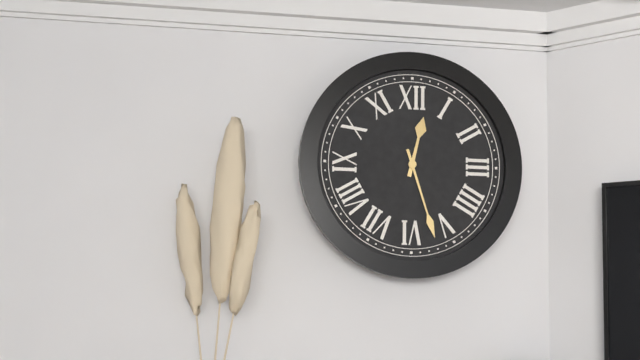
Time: {"hour": 12, "minute": 27}
